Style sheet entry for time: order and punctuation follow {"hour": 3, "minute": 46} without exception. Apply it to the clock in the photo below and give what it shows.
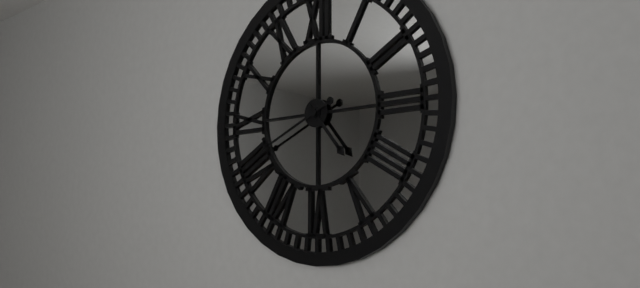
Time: {"hour": 4, "minute": 41}
